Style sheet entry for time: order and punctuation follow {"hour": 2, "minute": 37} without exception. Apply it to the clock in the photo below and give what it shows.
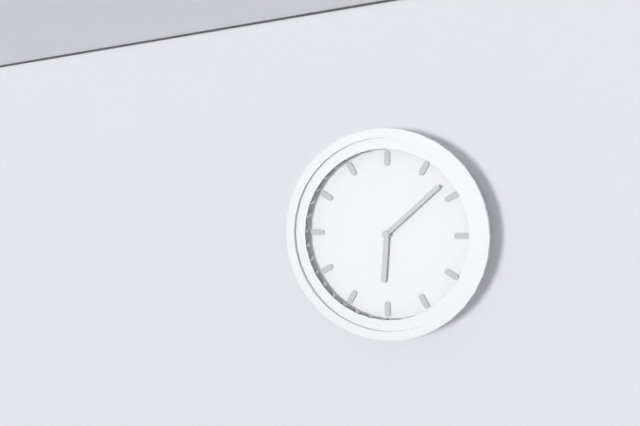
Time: {"hour": 6, "minute": 8}
